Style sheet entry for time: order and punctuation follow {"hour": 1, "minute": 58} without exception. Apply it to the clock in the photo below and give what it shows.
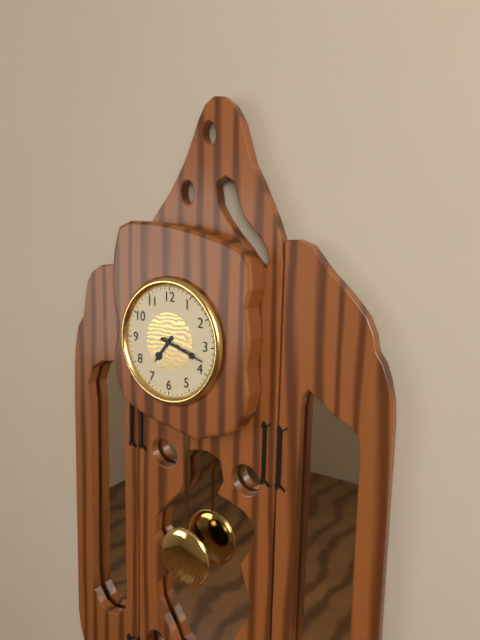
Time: {"hour": 7, "minute": 18}
